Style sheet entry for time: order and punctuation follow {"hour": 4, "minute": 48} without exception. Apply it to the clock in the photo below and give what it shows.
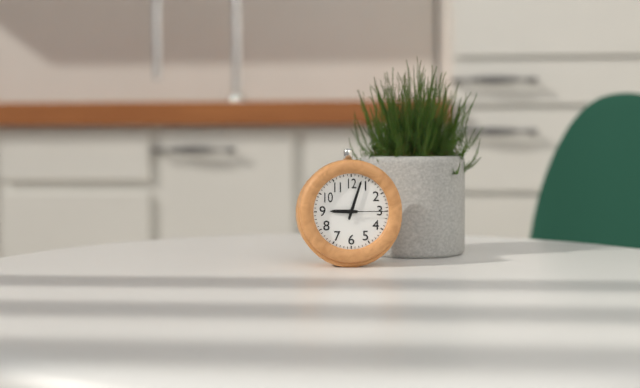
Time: {"hour": 9, "minute": 3}
